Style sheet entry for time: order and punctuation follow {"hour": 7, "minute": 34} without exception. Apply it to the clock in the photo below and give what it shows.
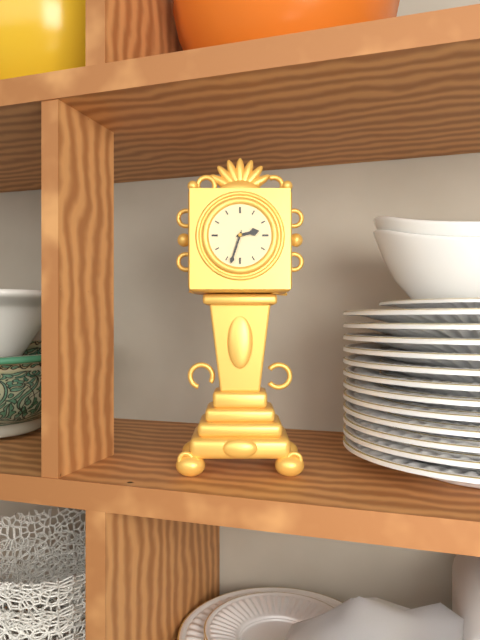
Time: {"hour": 2, "minute": 33}
